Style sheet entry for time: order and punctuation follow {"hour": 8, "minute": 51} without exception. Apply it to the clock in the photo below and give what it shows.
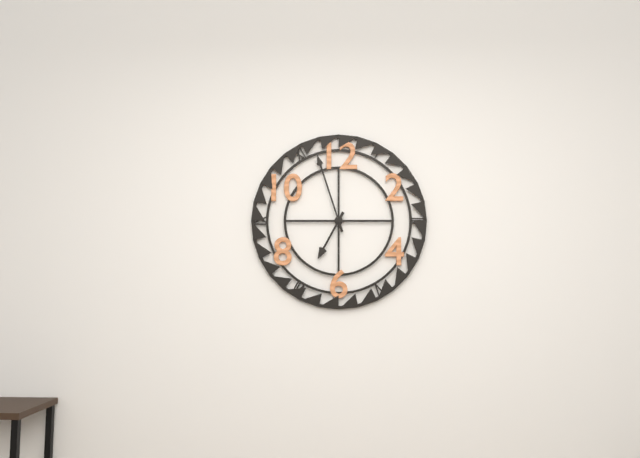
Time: {"hour": 6, "minute": 57}
